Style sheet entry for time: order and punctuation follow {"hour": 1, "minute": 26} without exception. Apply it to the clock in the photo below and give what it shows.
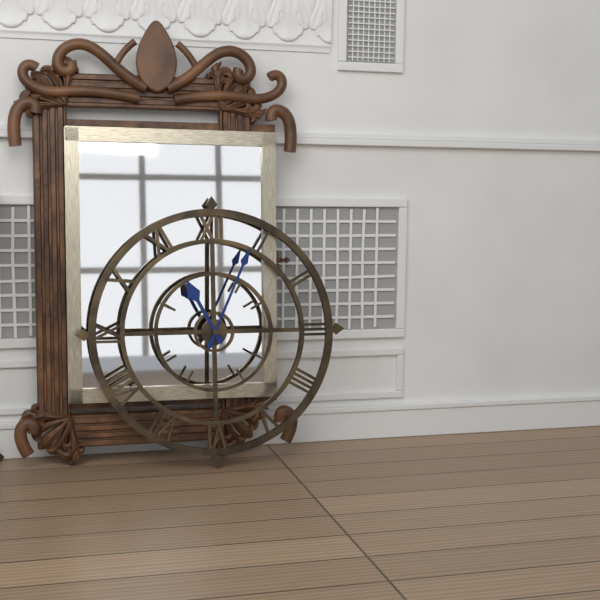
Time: {"hour": 11, "minute": 4}
